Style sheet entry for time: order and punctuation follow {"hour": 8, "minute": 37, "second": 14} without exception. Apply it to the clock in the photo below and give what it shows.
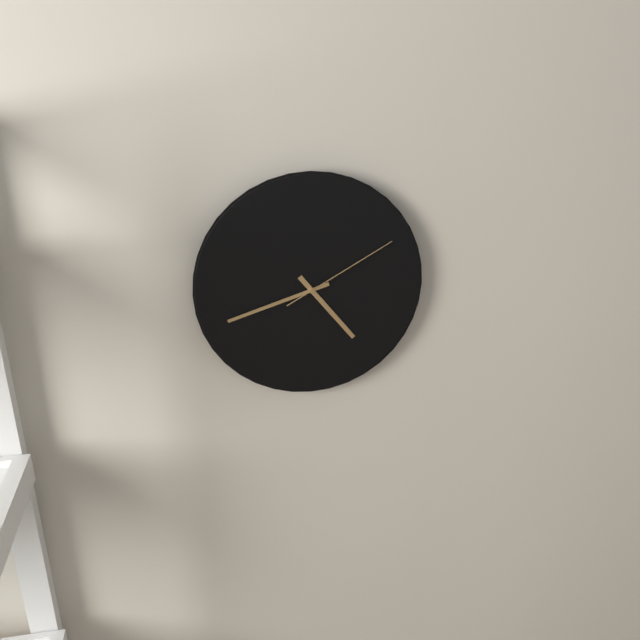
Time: {"hour": 4, "minute": 42, "second": 10}
